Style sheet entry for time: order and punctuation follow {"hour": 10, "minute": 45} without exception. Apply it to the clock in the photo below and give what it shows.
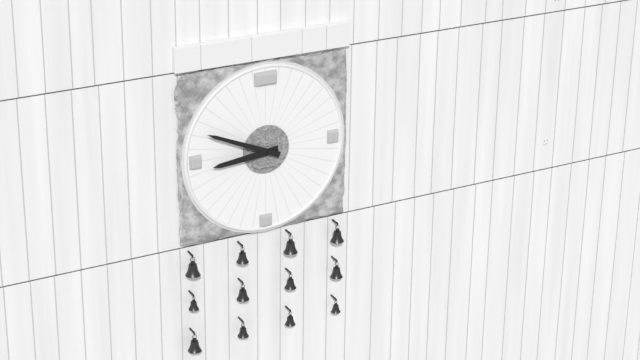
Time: {"hour": 8, "minute": 49}
